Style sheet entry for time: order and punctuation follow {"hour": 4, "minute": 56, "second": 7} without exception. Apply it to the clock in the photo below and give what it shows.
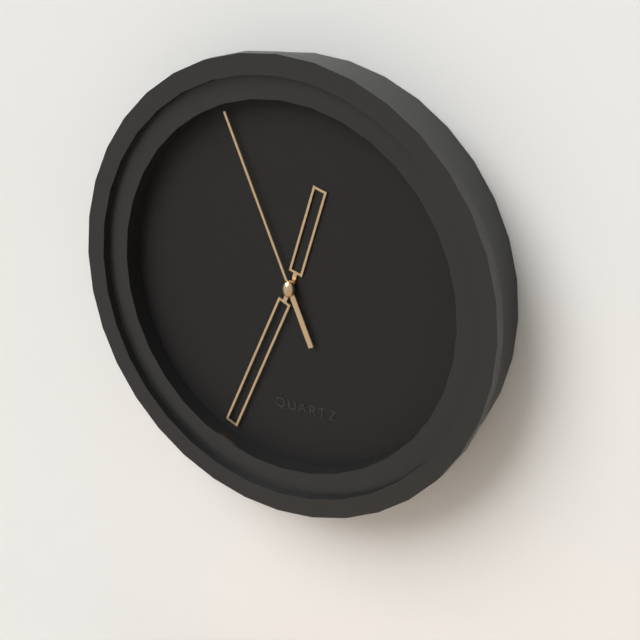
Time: {"hour": 12, "minute": 34, "second": 56}
